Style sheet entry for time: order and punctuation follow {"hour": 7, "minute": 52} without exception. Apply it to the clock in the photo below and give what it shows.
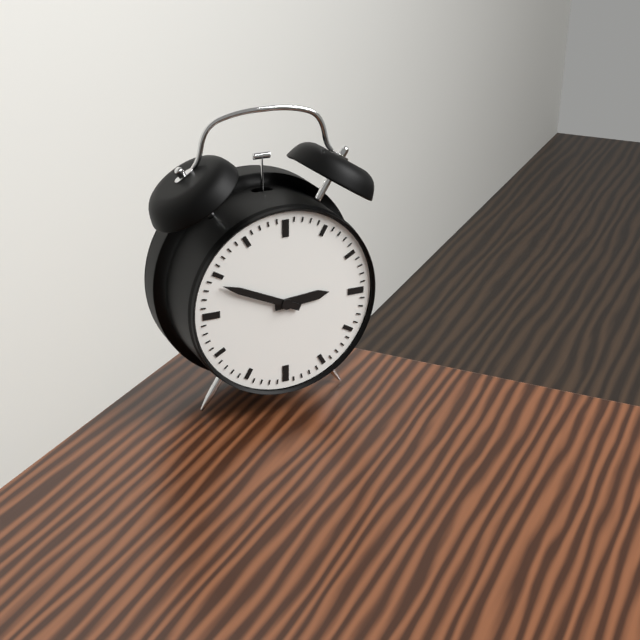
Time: {"hour": 2, "minute": 49}
